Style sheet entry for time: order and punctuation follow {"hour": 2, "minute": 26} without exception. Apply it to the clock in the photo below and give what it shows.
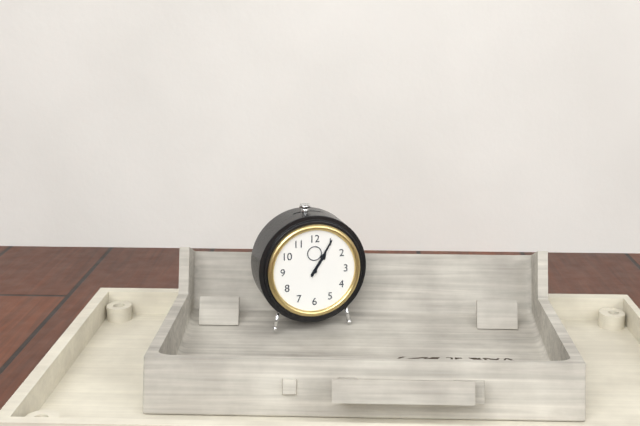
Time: {"hour": 1, "minute": 5}
